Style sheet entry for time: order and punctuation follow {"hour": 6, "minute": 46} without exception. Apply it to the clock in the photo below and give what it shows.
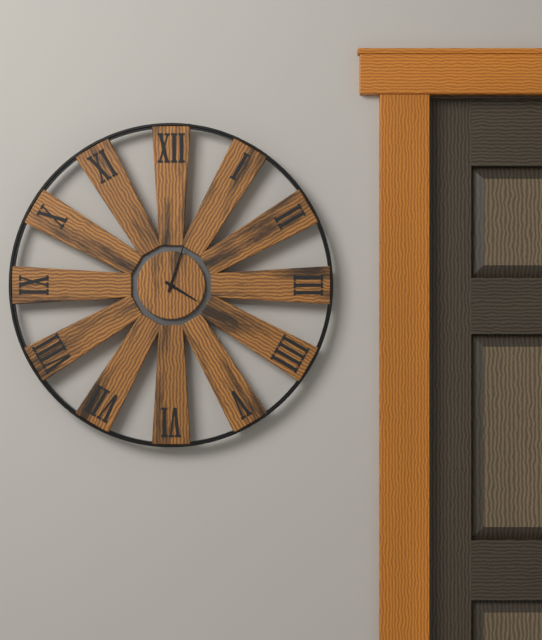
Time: {"hour": 4, "minute": 3}
